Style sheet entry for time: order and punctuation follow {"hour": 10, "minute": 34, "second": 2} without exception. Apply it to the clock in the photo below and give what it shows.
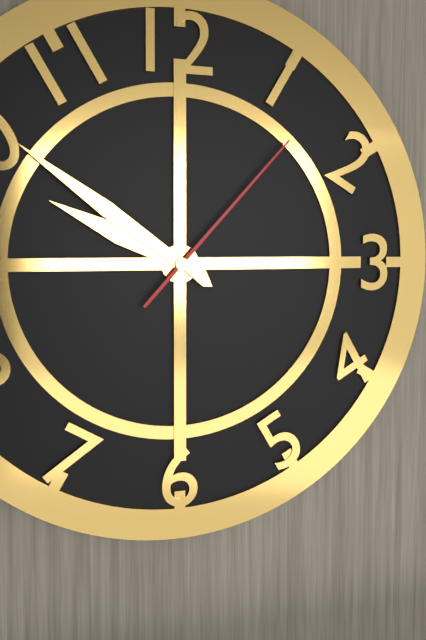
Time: {"hour": 9, "minute": 51, "second": 7}
